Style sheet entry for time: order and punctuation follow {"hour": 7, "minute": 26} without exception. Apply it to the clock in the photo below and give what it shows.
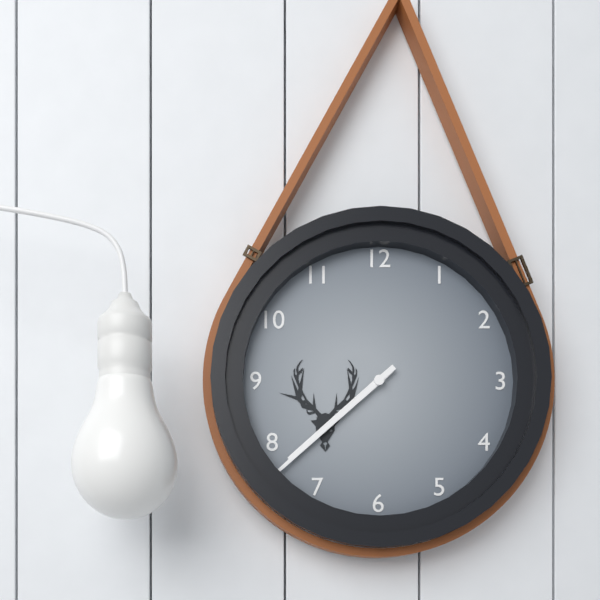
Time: {"hour": 7, "minute": 38}
